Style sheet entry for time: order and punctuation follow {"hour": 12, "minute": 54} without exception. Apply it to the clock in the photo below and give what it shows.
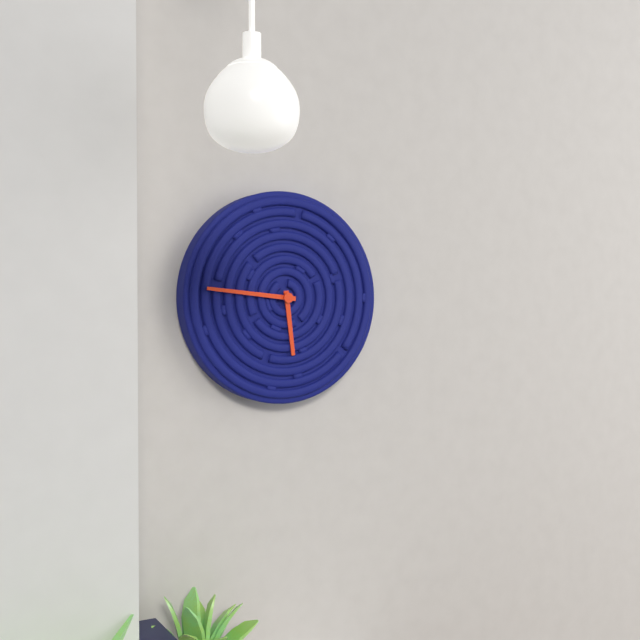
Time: {"hour": 5, "minute": 46}
